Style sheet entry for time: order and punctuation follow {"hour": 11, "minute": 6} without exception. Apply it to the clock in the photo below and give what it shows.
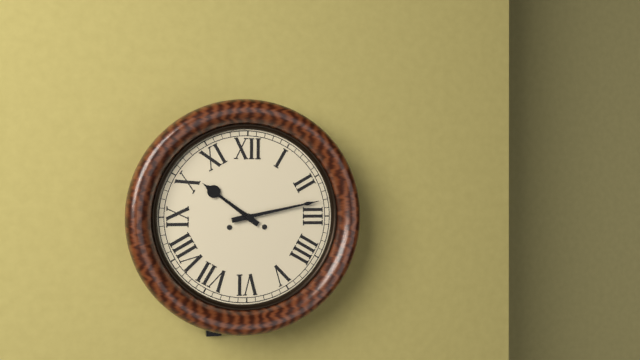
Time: {"hour": 10, "minute": 13}
